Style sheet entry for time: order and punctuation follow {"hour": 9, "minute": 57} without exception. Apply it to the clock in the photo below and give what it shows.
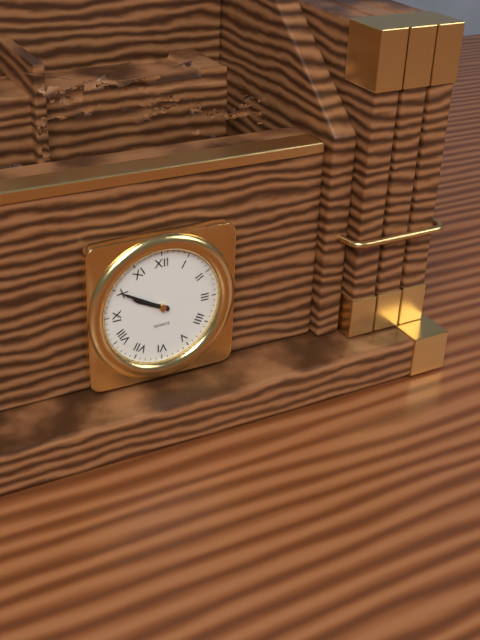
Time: {"hour": 9, "minute": 50}
